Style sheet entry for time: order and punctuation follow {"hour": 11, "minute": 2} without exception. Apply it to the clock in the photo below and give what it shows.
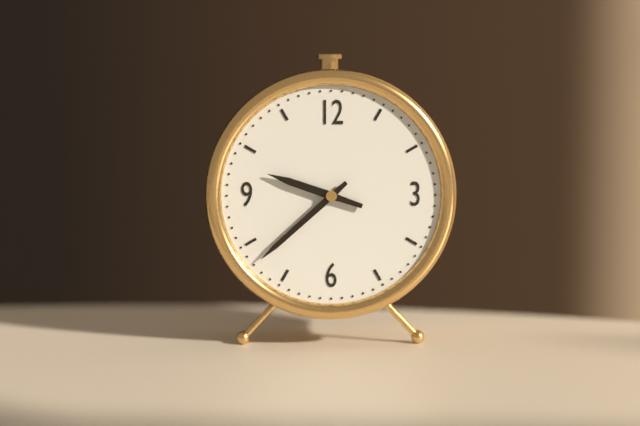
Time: {"hour": 9, "minute": 38}
